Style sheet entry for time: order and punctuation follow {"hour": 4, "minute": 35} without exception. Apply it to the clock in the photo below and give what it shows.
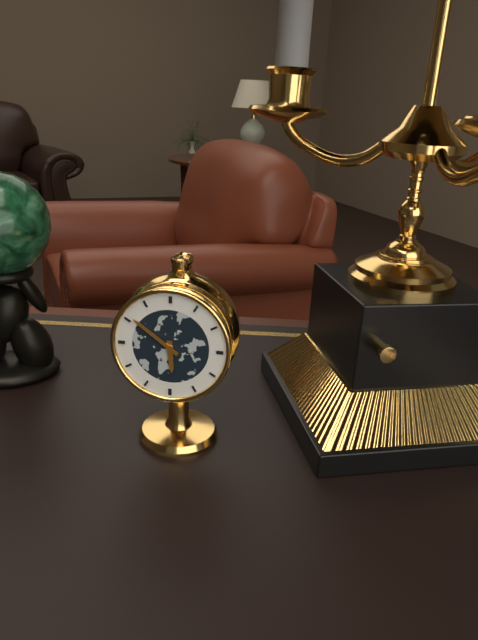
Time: {"hour": 5, "minute": 51}
